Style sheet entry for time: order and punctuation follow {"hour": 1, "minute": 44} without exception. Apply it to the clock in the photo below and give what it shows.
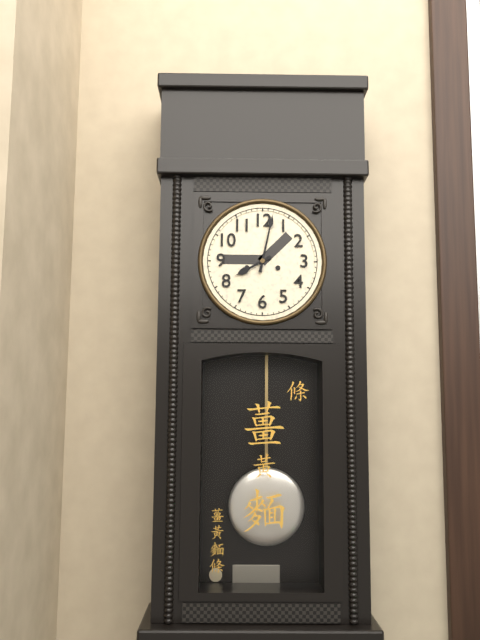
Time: {"hour": 8, "minute": 2}
